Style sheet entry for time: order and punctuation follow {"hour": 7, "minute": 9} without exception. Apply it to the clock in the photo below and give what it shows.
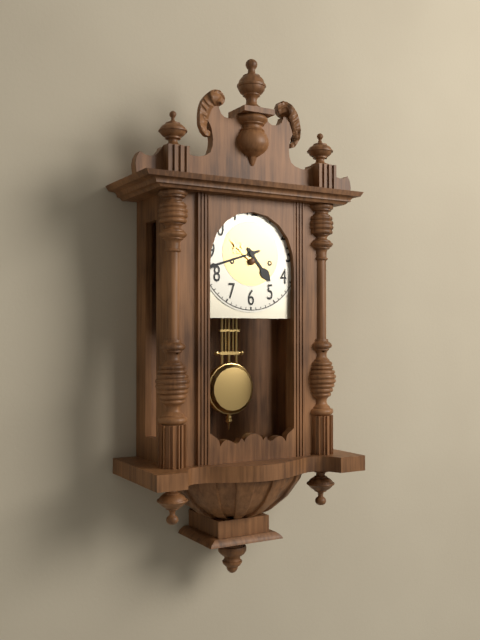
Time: {"hour": 4, "minute": 42}
